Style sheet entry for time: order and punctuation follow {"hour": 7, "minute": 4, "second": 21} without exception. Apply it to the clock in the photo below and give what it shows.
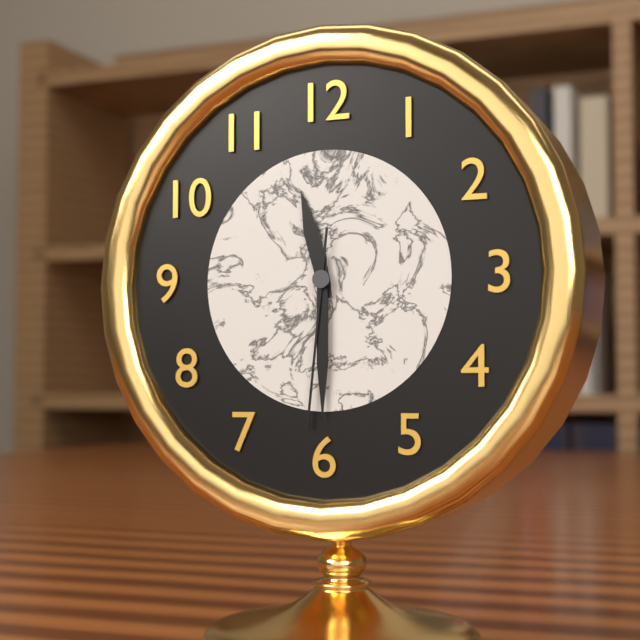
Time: {"hour": 11, "minute": 30, "second": 31}
